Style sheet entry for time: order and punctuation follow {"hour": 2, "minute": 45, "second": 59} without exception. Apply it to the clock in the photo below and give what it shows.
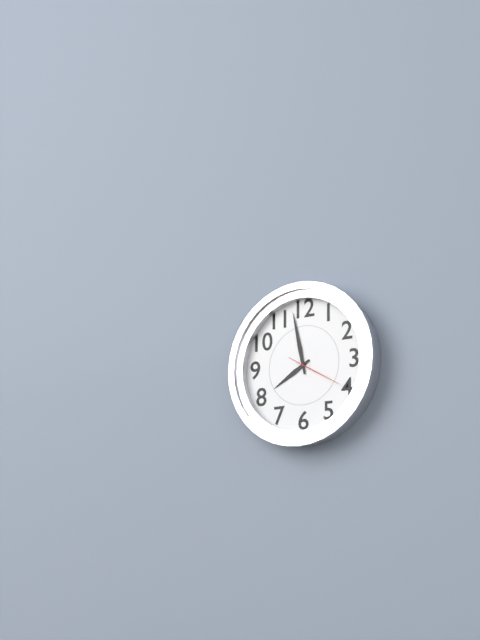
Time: {"hour": 7, "minute": 58, "second": 20}
